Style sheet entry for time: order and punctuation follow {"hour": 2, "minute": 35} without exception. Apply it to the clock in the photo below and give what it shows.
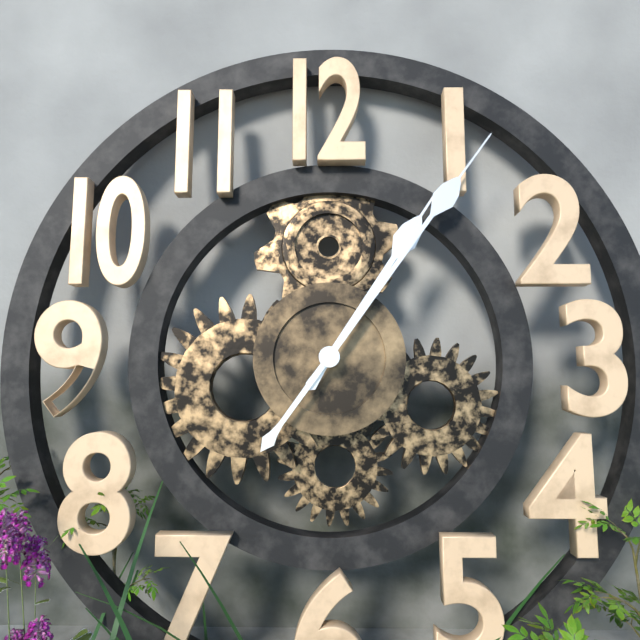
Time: {"hour": 1, "minute": 6}
